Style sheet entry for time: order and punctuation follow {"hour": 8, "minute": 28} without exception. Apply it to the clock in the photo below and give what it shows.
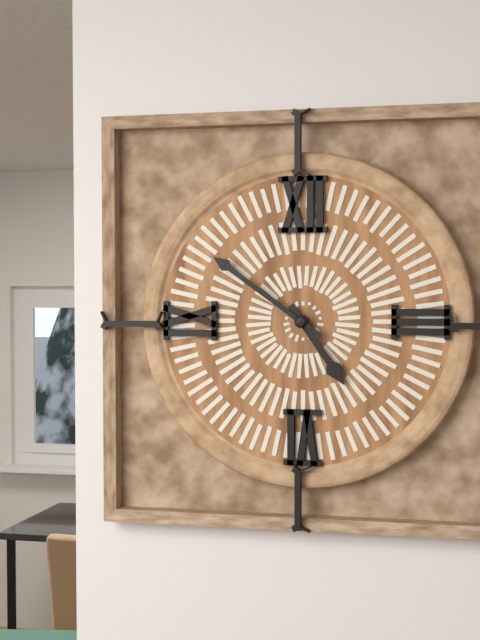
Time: {"hour": 4, "minute": 51}
